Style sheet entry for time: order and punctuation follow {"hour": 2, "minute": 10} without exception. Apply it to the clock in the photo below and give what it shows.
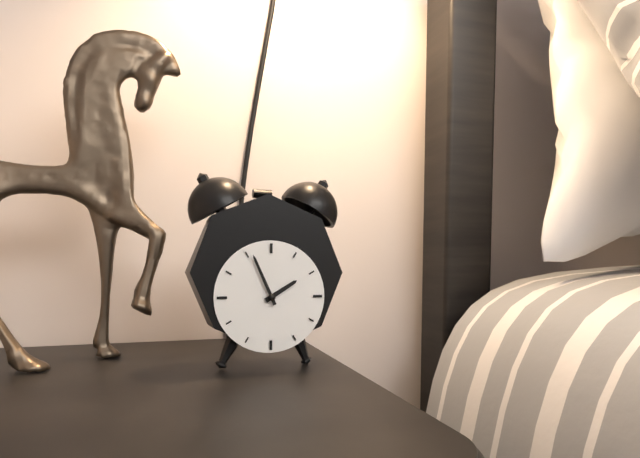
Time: {"hour": 1, "minute": 56}
